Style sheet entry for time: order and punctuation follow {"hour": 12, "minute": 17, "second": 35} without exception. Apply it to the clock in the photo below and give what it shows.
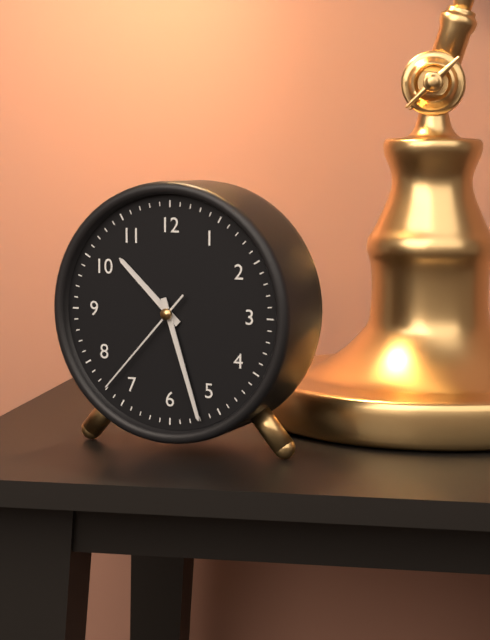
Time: {"hour": 10, "minute": 27, "second": 37}
